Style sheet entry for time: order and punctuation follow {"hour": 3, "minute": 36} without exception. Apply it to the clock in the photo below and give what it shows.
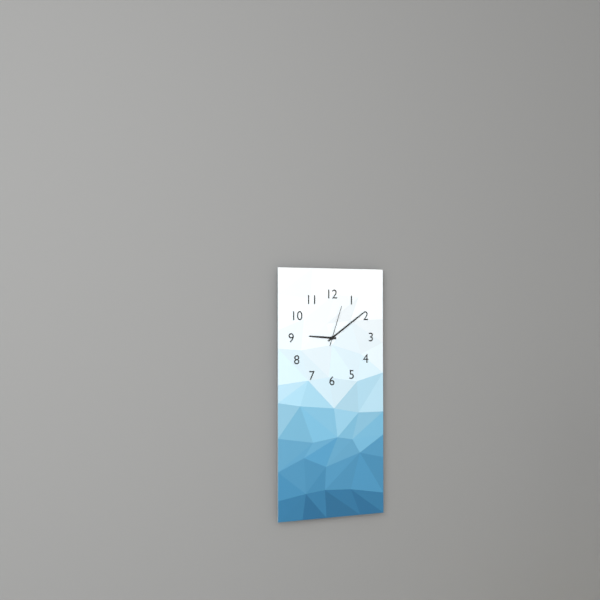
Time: {"hour": 9, "minute": 9}
